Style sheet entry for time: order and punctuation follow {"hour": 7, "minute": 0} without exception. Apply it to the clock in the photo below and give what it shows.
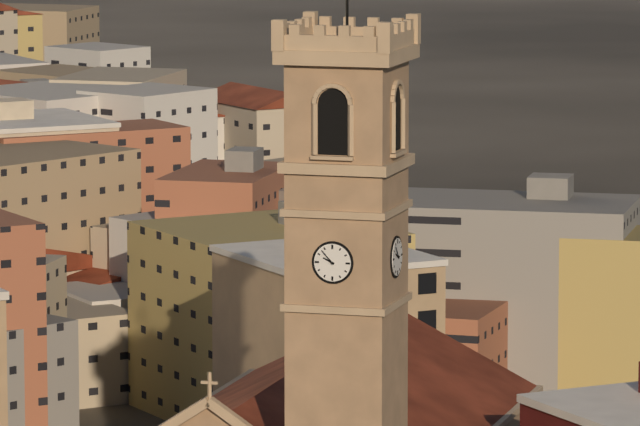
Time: {"hour": 9, "minute": 53}
